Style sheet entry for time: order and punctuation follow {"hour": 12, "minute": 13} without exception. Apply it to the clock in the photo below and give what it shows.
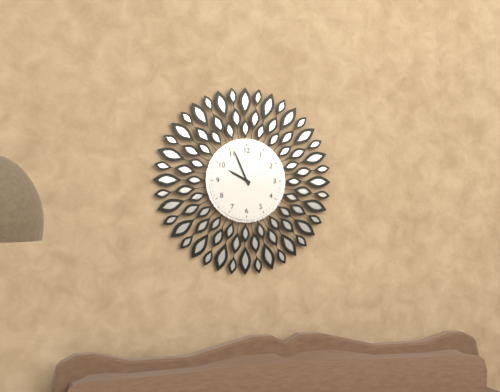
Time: {"hour": 9, "minute": 56}
